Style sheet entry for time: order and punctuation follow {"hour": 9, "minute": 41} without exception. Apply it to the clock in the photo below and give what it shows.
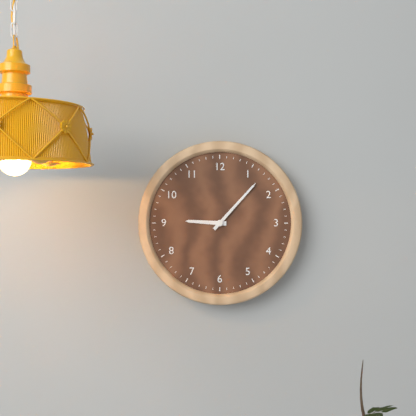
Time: {"hour": 9, "minute": 7}
